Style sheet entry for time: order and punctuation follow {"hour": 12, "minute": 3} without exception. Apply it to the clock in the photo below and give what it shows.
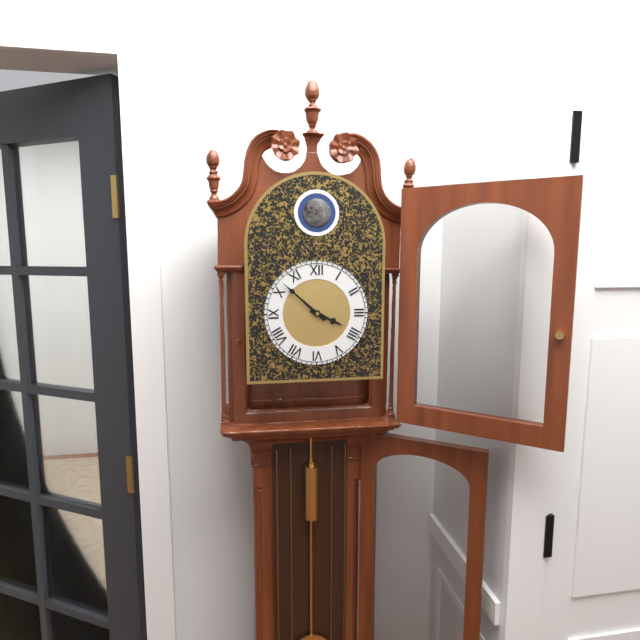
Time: {"hour": 3, "minute": 52}
